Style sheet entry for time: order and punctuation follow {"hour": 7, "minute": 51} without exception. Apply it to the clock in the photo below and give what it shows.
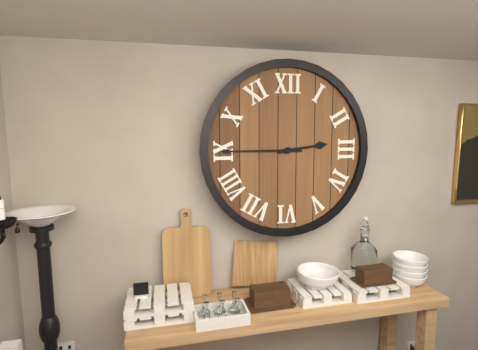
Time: {"hour": 2, "minute": 45}
